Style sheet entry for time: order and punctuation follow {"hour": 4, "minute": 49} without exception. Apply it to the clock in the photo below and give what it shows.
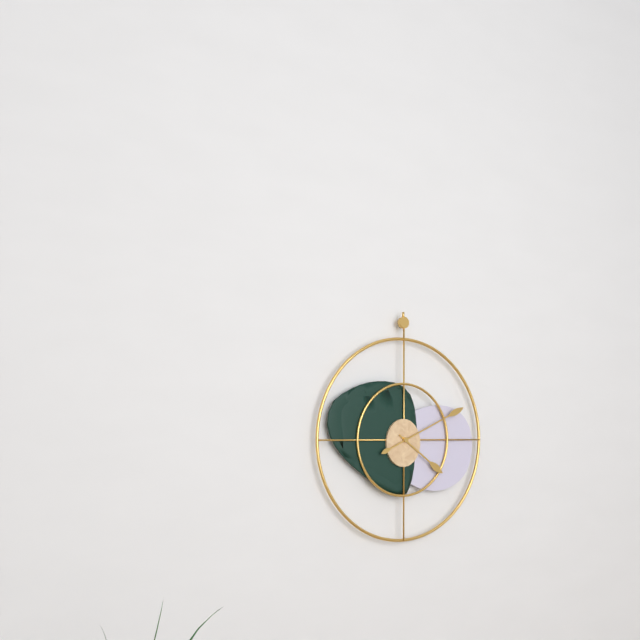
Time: {"hour": 4, "minute": 11}
